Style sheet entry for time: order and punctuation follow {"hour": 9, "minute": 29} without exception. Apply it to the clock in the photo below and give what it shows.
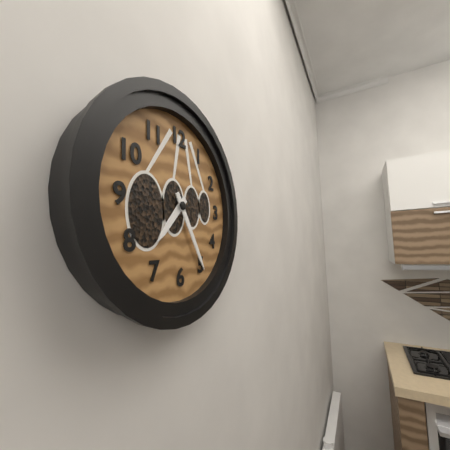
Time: {"hour": 7, "minute": 25}
